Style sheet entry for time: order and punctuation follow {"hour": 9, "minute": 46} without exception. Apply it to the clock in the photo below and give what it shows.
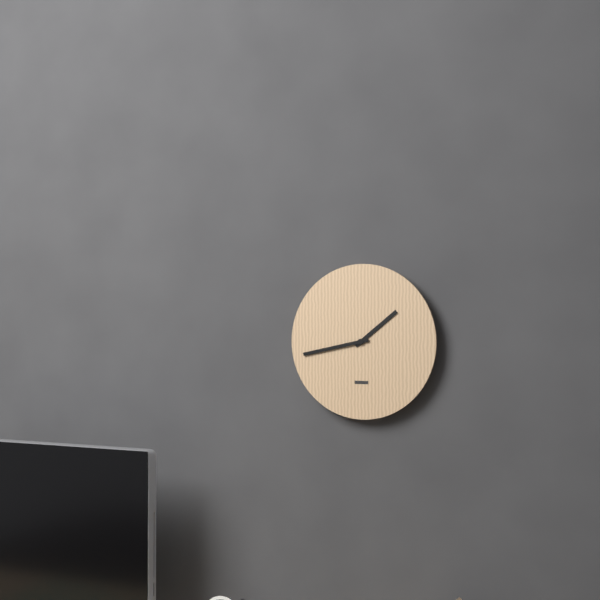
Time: {"hour": 1, "minute": 43}
